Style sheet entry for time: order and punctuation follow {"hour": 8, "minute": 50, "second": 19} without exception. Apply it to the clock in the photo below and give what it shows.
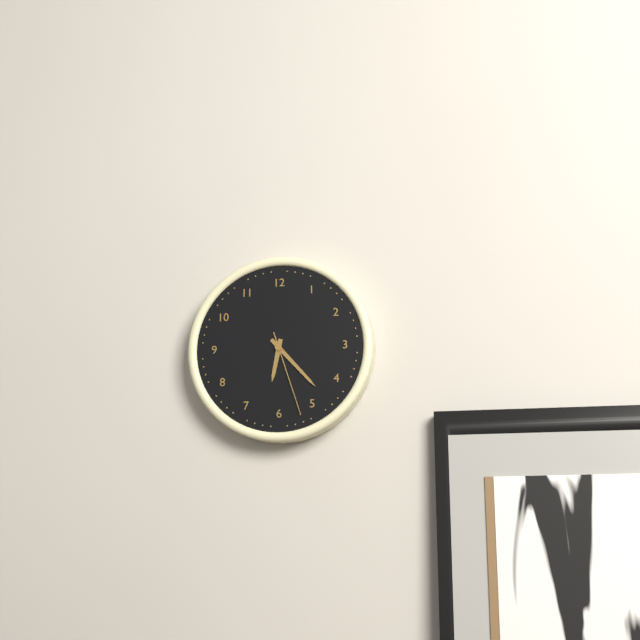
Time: {"hour": 6, "minute": 23, "second": 27}
